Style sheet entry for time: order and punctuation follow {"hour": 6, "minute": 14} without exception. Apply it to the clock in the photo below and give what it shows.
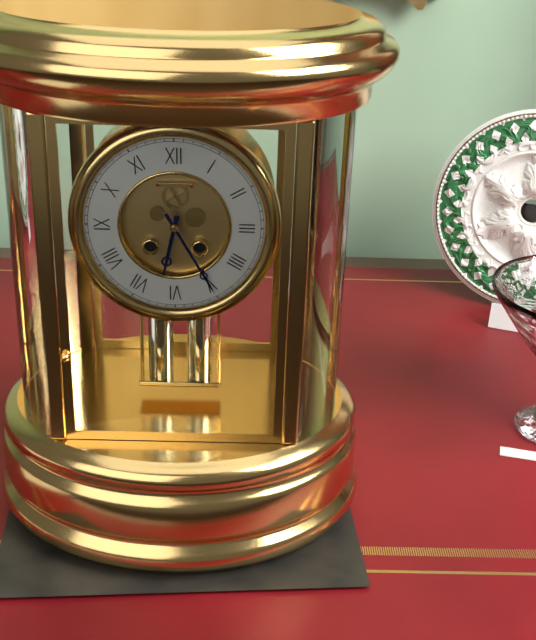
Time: {"hour": 6, "minute": 25}
